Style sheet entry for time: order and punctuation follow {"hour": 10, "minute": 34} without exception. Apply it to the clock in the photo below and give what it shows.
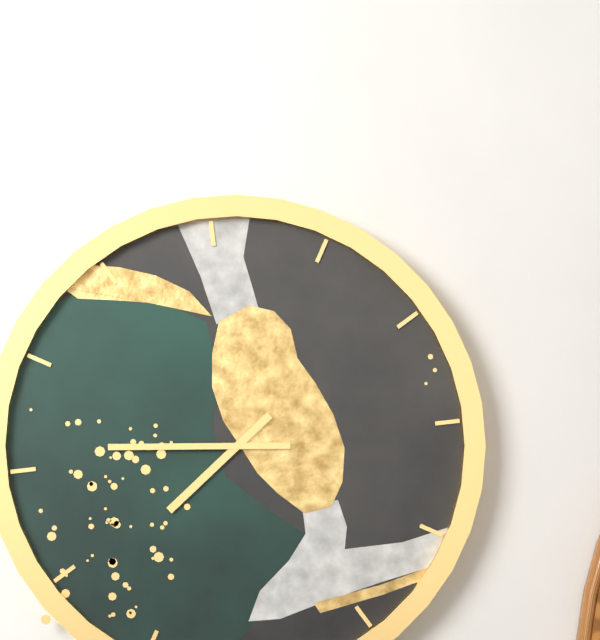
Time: {"hour": 7, "minute": 46}
